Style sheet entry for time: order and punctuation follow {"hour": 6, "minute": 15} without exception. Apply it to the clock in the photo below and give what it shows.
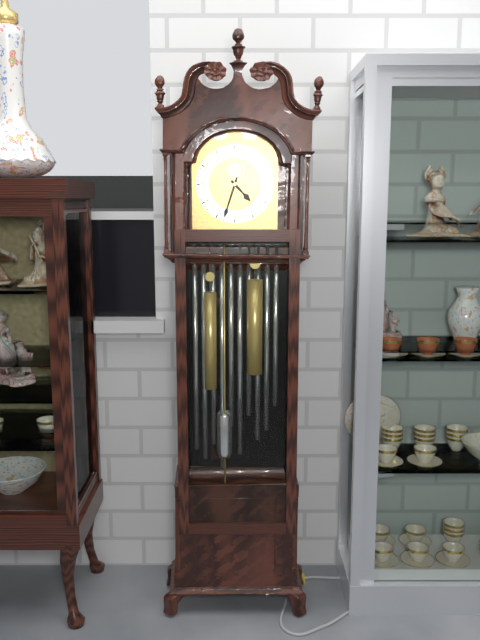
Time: {"hour": 4, "minute": 33}
